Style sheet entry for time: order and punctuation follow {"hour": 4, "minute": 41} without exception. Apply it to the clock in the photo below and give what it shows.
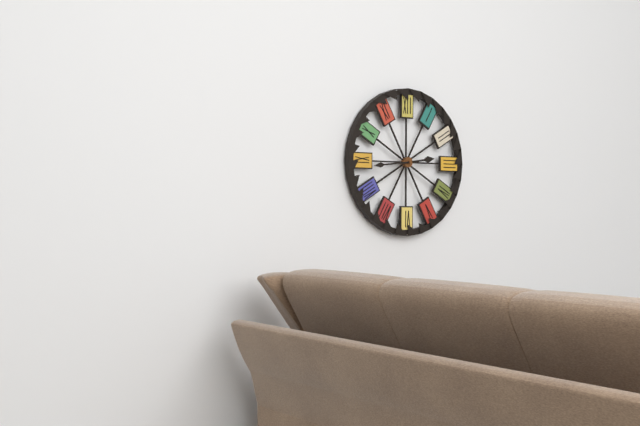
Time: {"hour": 2, "minute": 44}
